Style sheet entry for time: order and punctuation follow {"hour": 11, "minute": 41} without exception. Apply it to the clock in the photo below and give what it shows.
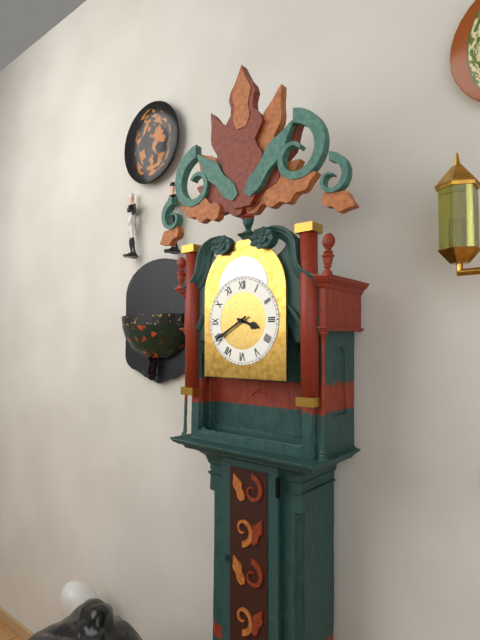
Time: {"hour": 3, "minute": 40}
